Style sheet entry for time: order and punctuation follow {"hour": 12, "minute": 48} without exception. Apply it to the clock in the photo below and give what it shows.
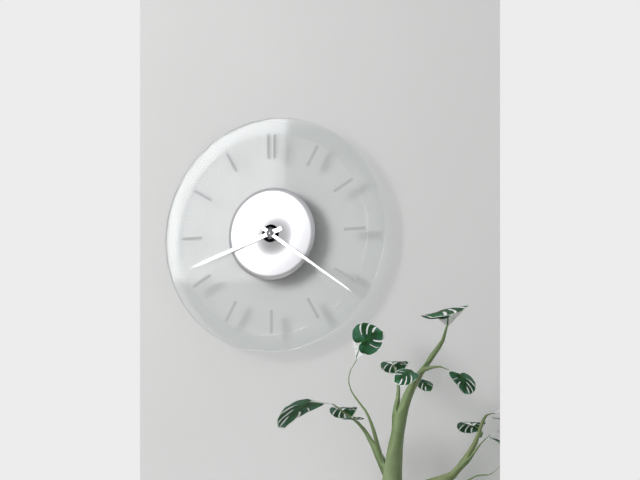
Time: {"hour": 8, "minute": 21}
